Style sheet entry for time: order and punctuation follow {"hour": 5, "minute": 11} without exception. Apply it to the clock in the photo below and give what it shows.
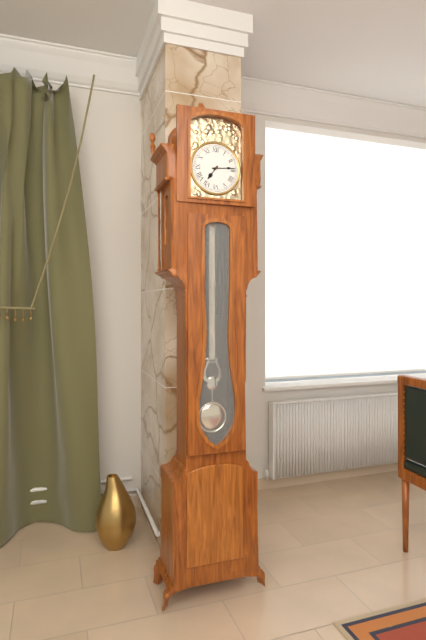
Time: {"hour": 7, "minute": 14}
